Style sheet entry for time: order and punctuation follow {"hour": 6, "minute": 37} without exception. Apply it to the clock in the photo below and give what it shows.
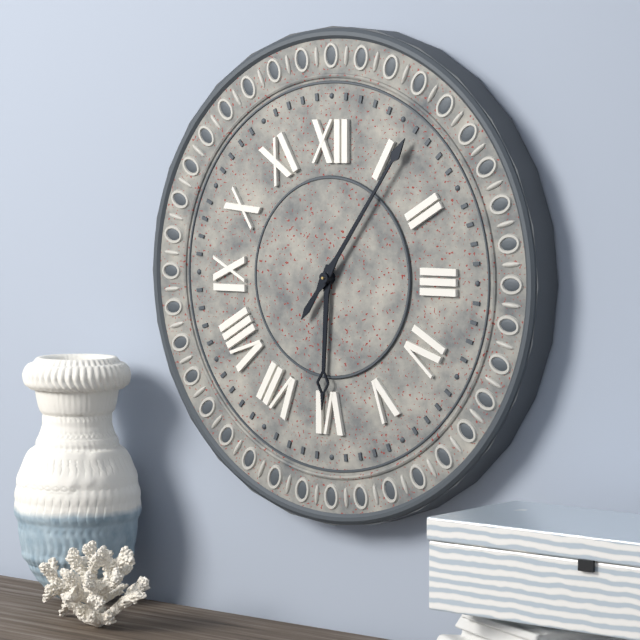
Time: {"hour": 6, "minute": 6}
